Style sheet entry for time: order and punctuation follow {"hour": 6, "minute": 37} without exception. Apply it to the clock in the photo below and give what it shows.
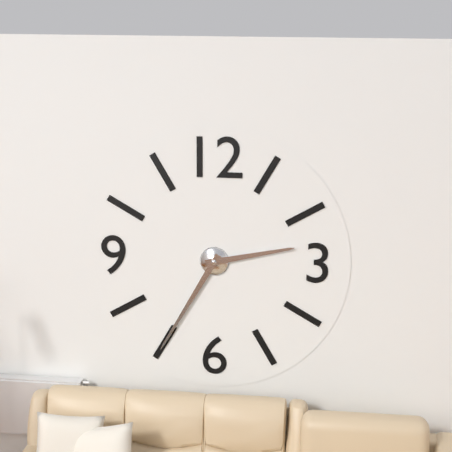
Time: {"hour": 2, "minute": 35}
